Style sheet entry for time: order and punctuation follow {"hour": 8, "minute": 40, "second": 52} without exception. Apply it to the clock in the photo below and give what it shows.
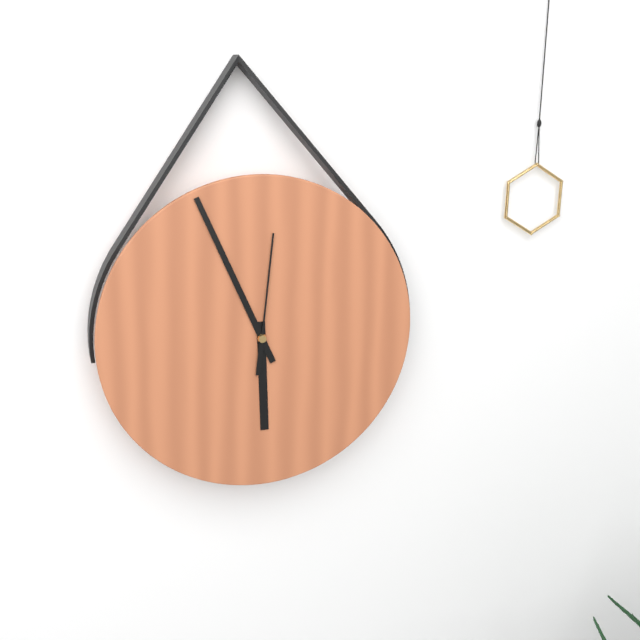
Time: {"hour": 5, "minute": 56, "second": 1}
